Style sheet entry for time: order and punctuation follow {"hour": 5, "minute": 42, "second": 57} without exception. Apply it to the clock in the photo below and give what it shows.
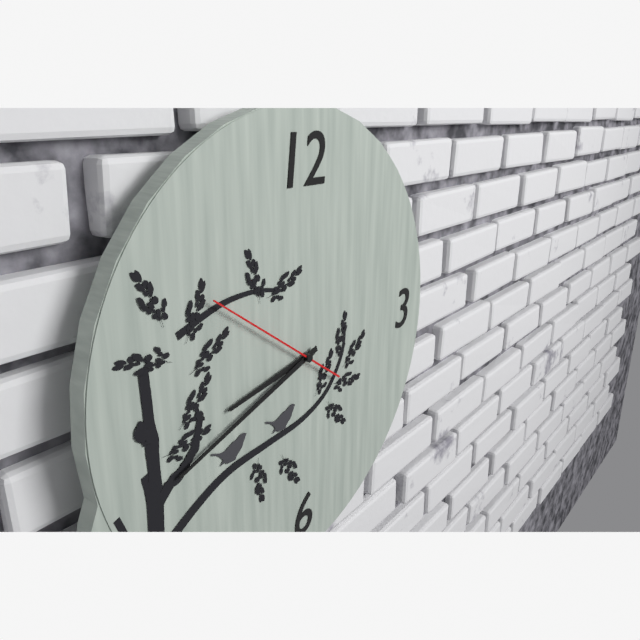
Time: {"hour": 8, "minute": 42, "second": 51}
